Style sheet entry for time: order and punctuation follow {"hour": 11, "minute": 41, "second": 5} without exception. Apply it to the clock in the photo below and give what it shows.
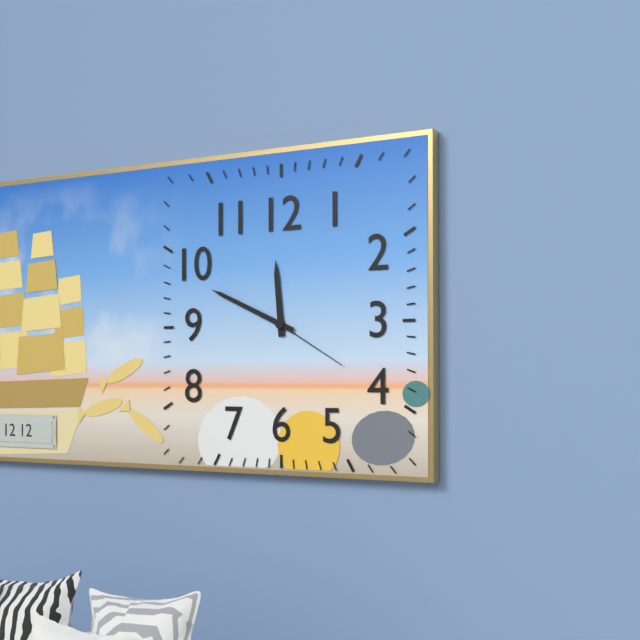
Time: {"hour": 11, "minute": 49, "second": 20}
